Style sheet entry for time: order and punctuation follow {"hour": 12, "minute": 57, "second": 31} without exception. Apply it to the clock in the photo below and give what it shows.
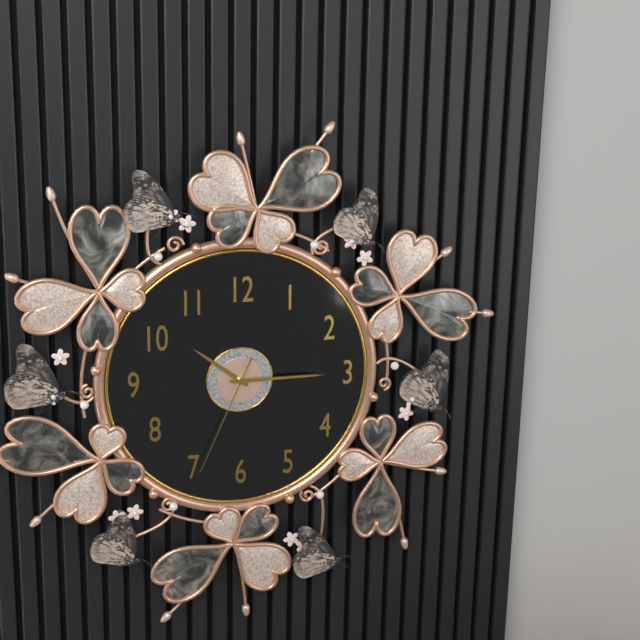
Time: {"hour": 10, "minute": 15, "second": 34}
